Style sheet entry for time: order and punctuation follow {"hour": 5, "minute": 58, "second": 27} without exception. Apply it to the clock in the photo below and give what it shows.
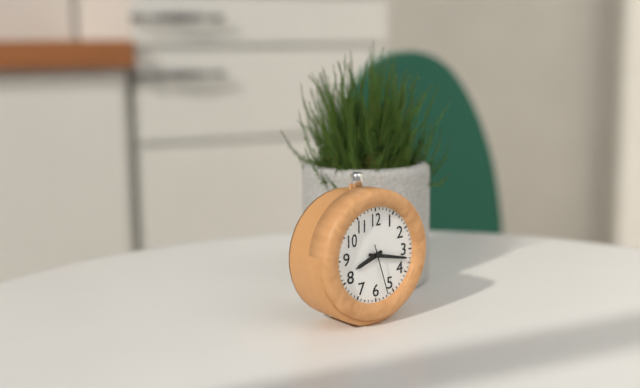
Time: {"hour": 8, "minute": 17, "second": 27}
